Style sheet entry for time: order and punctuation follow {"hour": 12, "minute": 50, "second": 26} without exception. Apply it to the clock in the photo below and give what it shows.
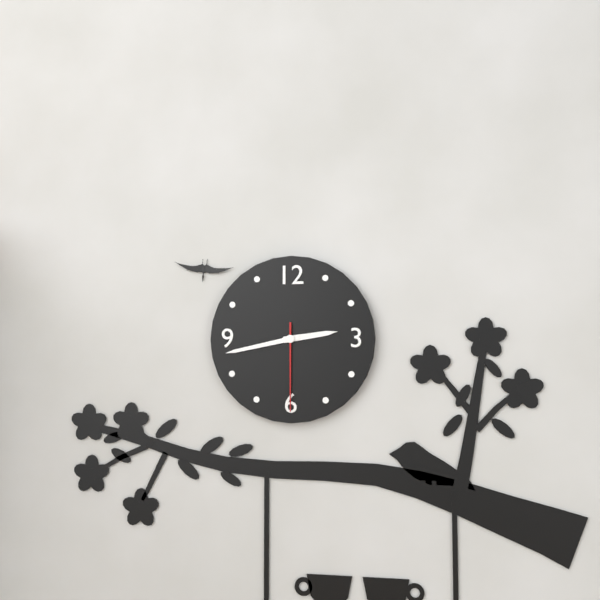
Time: {"hour": 2, "minute": 43, "second": 30}
